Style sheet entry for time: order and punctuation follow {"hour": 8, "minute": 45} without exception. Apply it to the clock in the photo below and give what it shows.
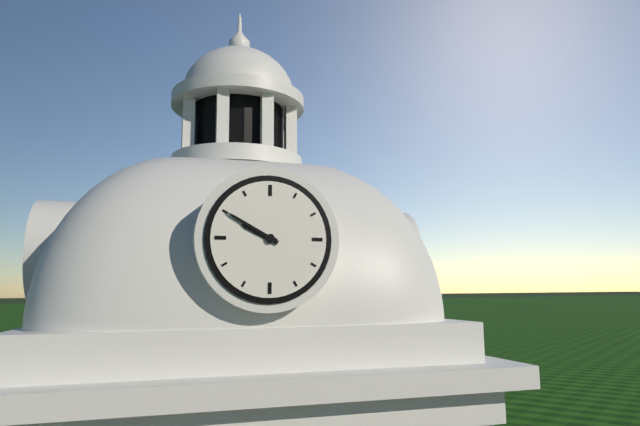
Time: {"hour": 9, "minute": 50}
